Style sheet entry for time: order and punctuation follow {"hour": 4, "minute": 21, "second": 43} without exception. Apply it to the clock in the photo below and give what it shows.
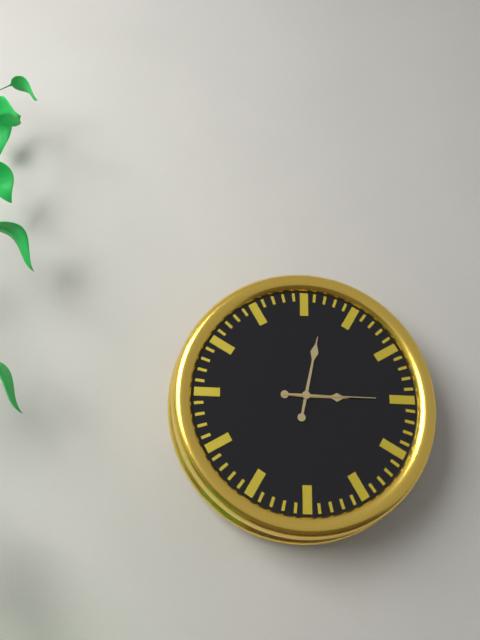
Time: {"hour": 3, "minute": 2, "second": 15}
